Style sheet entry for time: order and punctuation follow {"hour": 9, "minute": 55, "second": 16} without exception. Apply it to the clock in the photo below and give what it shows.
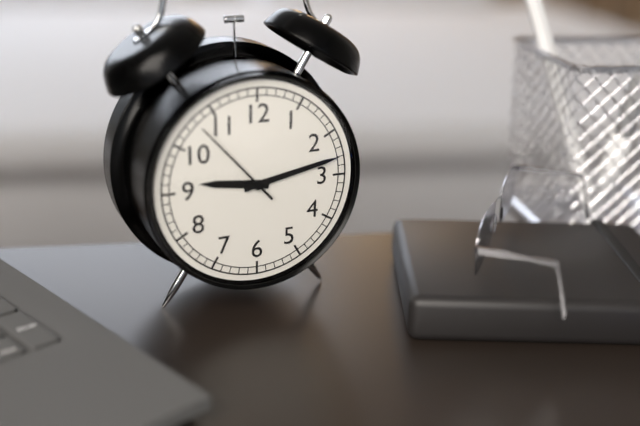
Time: {"hour": 9, "minute": 13, "second": 53}
